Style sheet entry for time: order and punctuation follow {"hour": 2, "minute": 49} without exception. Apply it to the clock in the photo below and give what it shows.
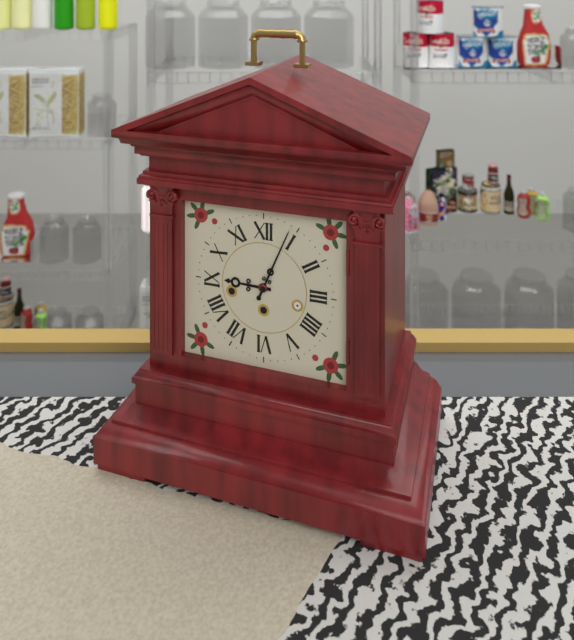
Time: {"hour": 9, "minute": 4}
